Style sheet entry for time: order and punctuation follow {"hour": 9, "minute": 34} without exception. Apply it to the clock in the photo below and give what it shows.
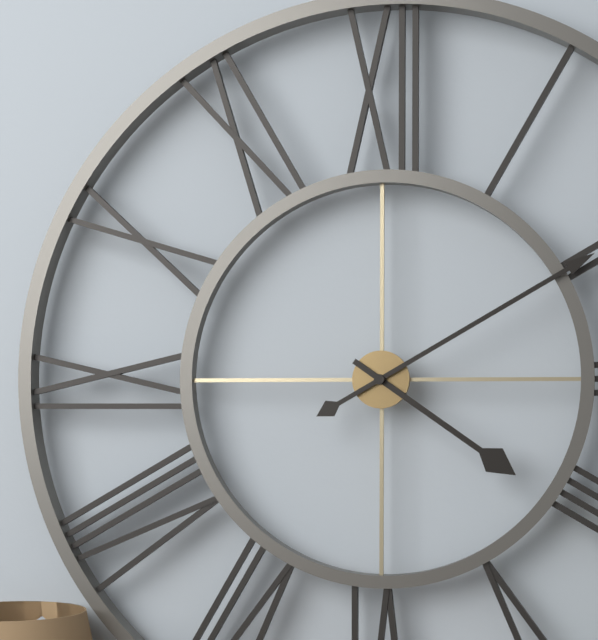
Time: {"hour": 4, "minute": 10}
